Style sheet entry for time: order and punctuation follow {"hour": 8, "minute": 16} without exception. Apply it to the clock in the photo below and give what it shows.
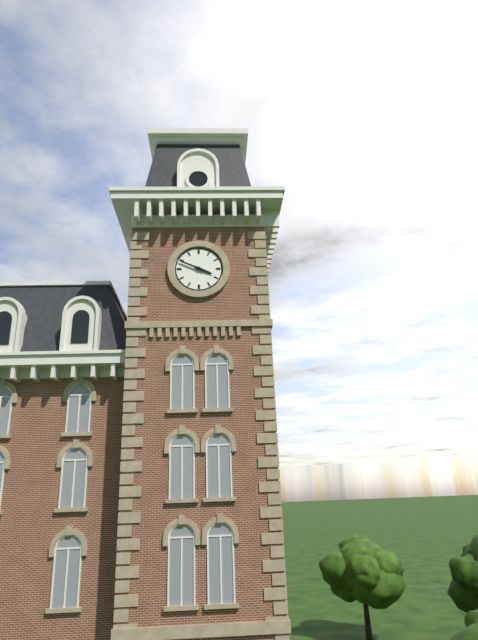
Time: {"hour": 3, "minute": 49}
